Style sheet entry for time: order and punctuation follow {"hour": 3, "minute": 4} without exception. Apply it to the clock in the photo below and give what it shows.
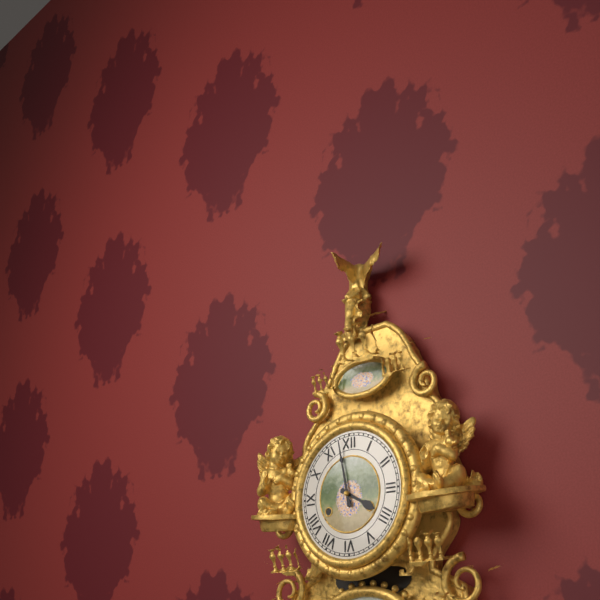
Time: {"hour": 3, "minute": 58}
